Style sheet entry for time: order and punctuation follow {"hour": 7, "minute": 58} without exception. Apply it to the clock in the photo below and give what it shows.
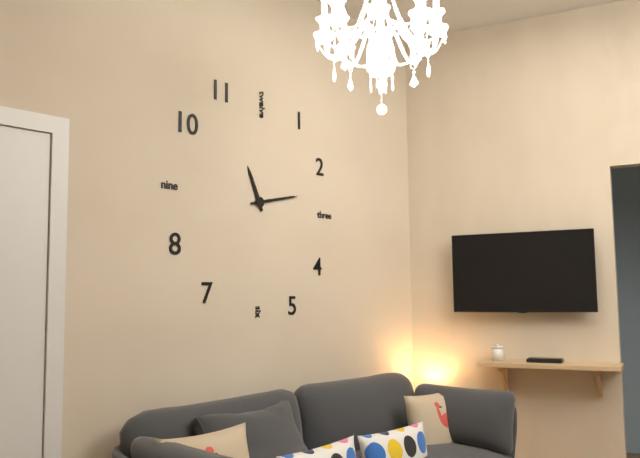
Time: {"hour": 11, "minute": 13}
